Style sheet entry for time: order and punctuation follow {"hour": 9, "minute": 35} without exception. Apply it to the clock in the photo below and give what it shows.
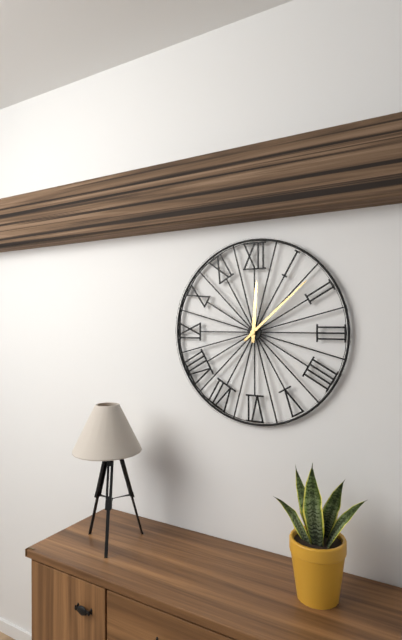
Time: {"hour": 12, "minute": 8}
